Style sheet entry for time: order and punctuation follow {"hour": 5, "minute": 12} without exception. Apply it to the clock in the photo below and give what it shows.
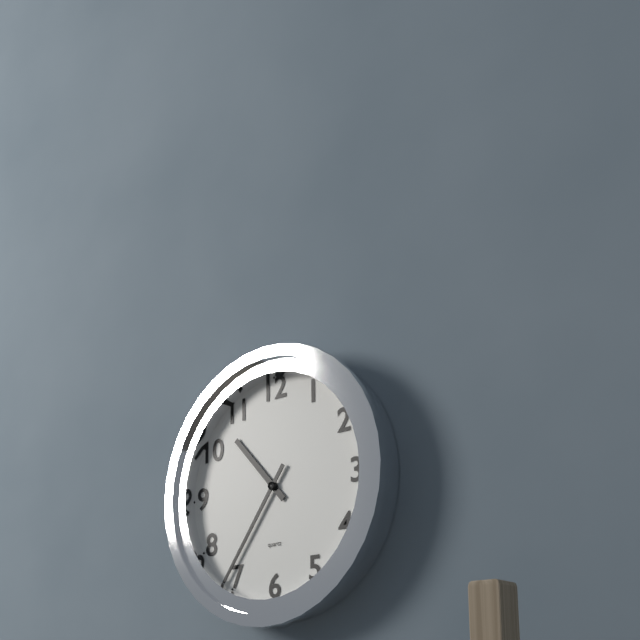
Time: {"hour": 10, "minute": 36}
